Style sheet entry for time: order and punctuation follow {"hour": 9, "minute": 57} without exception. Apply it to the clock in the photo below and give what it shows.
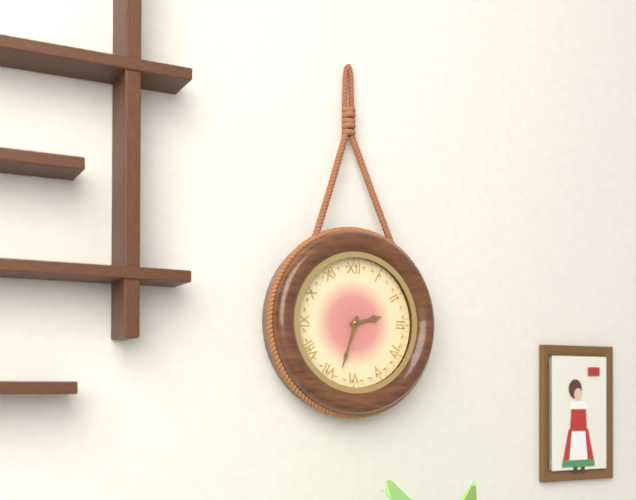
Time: {"hour": 2, "minute": 33}
